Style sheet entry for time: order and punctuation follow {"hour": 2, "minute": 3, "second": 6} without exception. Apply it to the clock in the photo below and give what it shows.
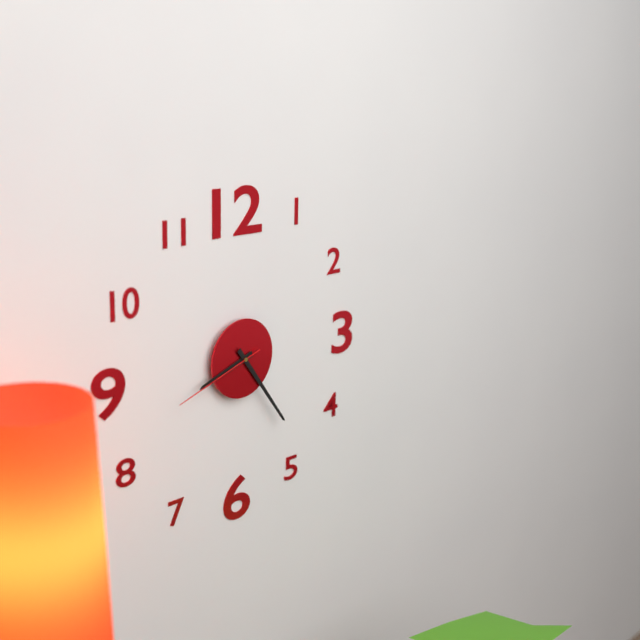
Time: {"hour": 8, "minute": 24, "second": 42}
